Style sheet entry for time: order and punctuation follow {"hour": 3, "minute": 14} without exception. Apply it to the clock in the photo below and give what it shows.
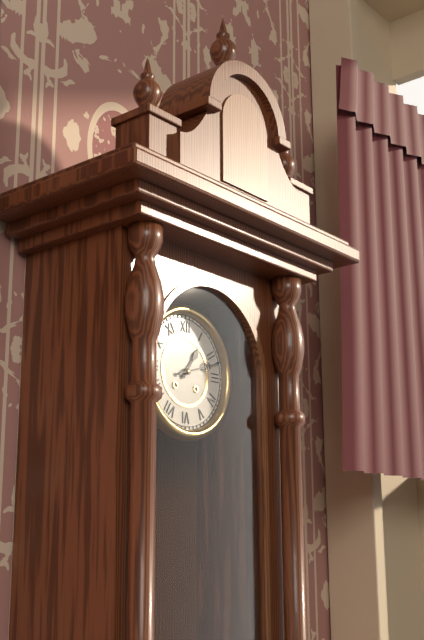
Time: {"hour": 1, "minute": 12}
